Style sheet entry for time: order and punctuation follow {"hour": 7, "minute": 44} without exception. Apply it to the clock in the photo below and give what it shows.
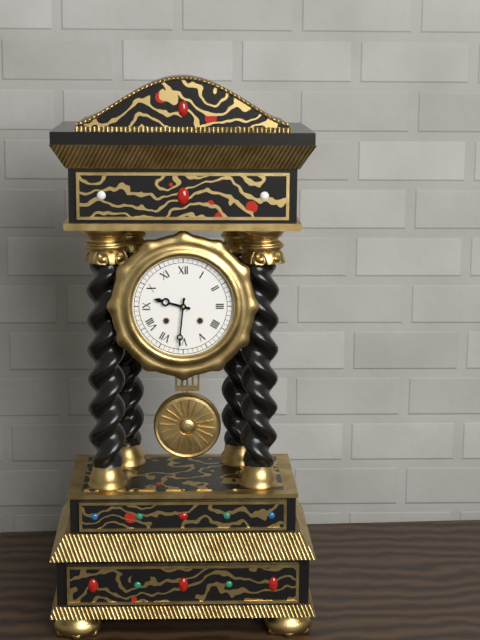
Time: {"hour": 9, "minute": 31}
